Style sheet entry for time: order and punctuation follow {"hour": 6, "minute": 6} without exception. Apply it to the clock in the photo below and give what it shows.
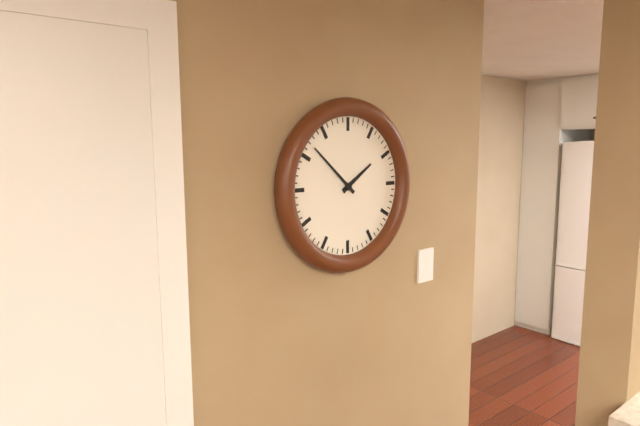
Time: {"hour": 1, "minute": 52}
